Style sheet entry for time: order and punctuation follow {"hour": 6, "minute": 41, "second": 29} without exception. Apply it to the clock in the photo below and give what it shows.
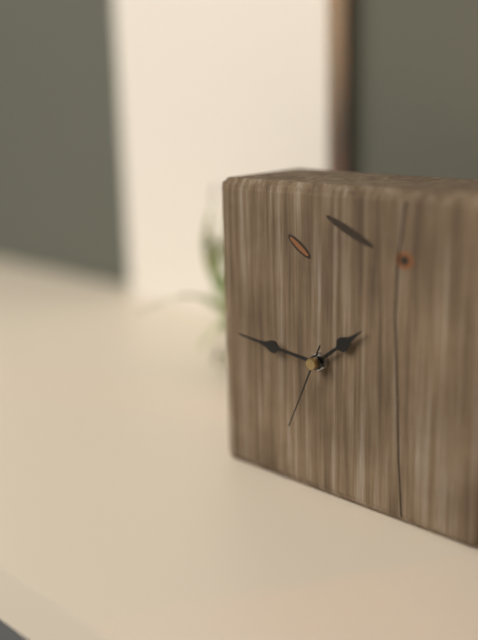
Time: {"hour": 1, "minute": 46, "second": 34}
